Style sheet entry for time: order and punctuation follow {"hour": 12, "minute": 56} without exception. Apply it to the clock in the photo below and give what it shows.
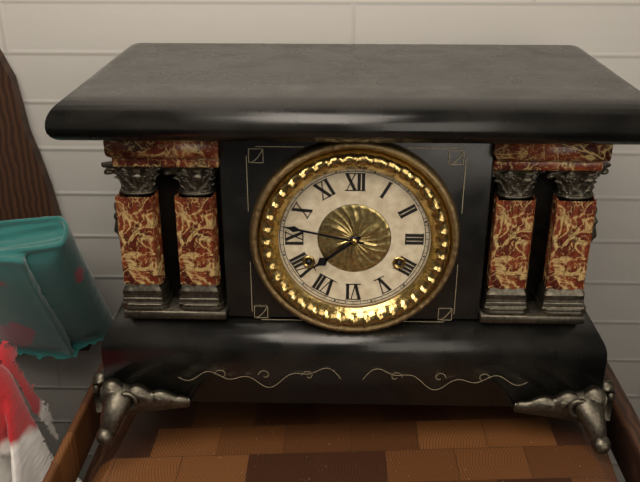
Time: {"hour": 7, "minute": 47}
